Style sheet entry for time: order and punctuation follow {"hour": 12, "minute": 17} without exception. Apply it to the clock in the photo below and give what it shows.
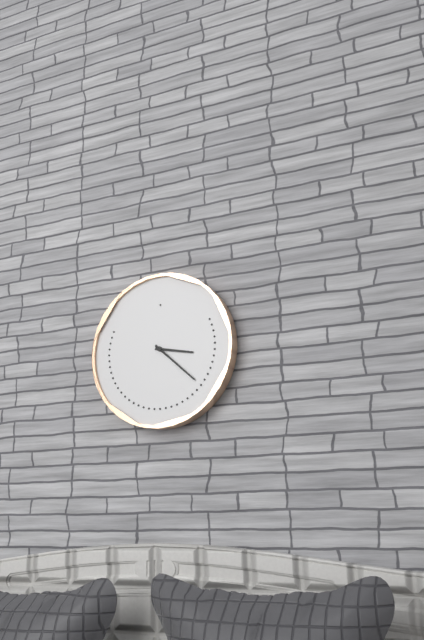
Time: {"hour": 3, "minute": 22}
